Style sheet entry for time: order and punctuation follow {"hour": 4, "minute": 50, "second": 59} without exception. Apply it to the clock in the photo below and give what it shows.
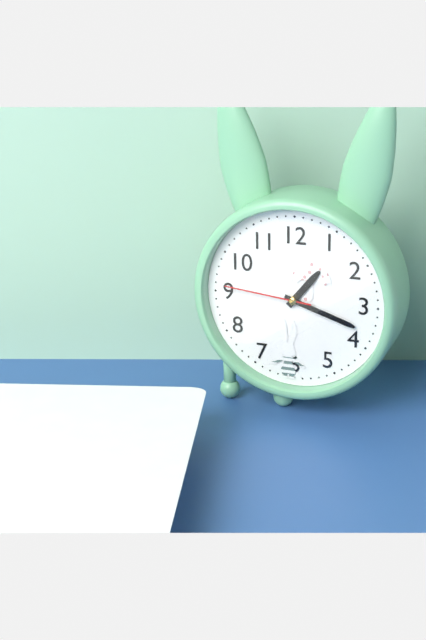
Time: {"hour": 1, "minute": 18, "second": 46}
